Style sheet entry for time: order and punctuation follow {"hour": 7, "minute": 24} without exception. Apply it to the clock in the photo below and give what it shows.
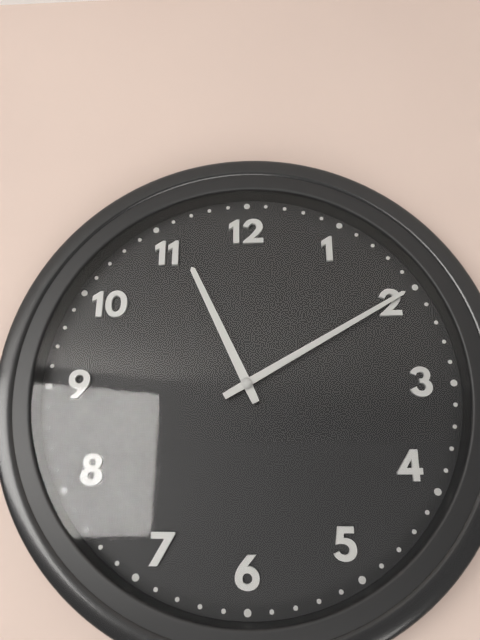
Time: {"hour": 11, "minute": 10}
